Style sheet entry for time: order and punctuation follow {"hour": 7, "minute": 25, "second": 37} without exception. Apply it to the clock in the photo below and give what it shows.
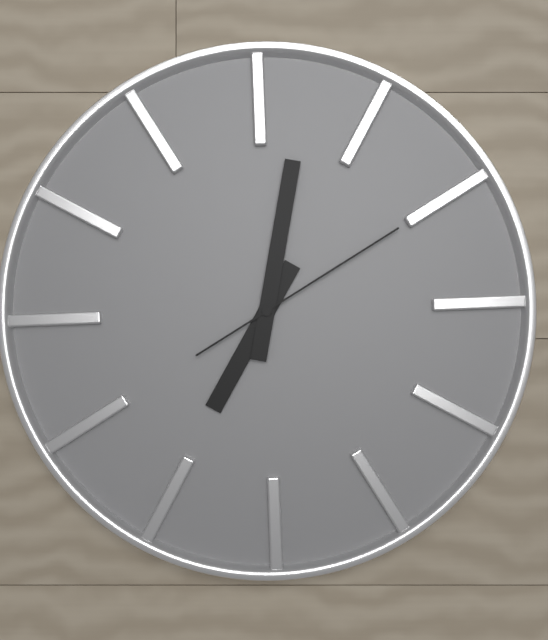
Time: {"hour": 7, "minute": 2, "second": 10}
